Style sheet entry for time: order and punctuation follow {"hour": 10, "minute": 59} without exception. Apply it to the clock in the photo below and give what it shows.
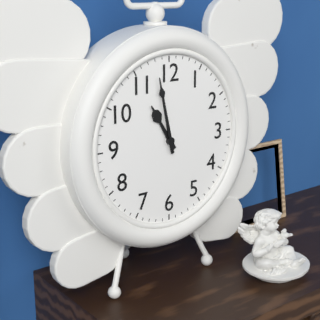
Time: {"hour": 10, "minute": 58}
